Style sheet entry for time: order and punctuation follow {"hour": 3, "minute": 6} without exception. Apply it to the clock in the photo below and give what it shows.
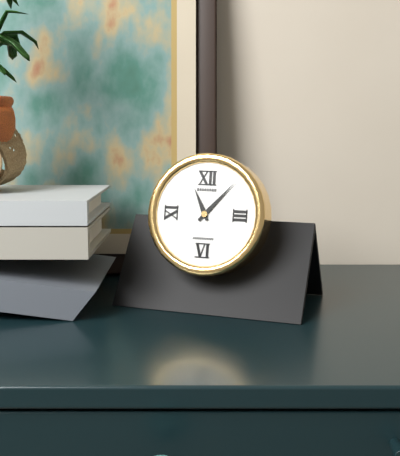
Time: {"hour": 11, "minute": 7}
